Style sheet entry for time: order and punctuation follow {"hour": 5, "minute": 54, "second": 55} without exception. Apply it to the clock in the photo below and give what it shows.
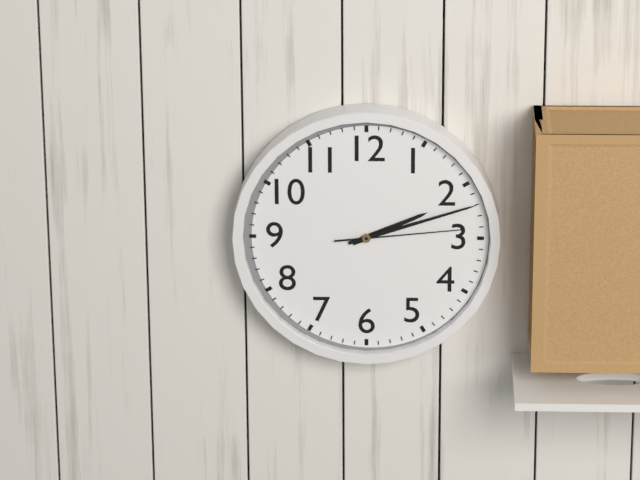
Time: {"hour": 2, "minute": 12, "second": 14}
